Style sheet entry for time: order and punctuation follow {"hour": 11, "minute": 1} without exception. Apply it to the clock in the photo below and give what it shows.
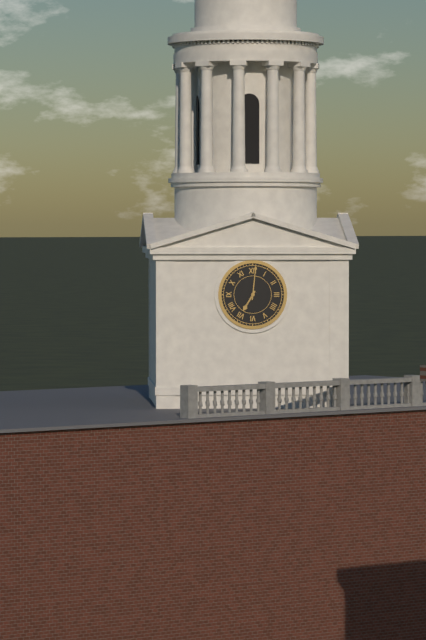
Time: {"hour": 7, "minute": 1}
